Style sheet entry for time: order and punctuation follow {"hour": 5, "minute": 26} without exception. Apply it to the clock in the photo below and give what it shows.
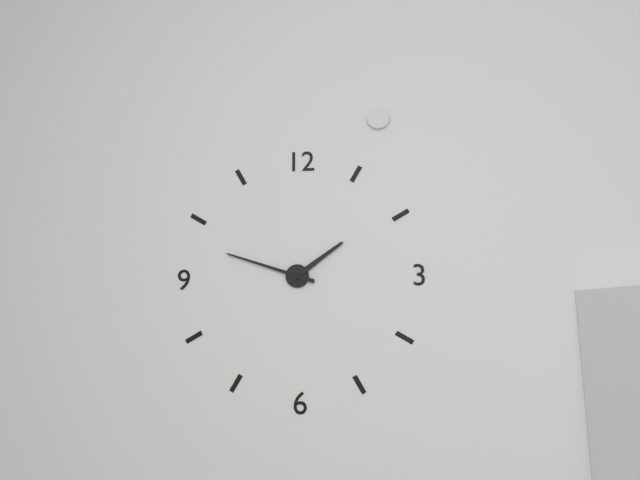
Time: {"hour": 1, "minute": 48}
